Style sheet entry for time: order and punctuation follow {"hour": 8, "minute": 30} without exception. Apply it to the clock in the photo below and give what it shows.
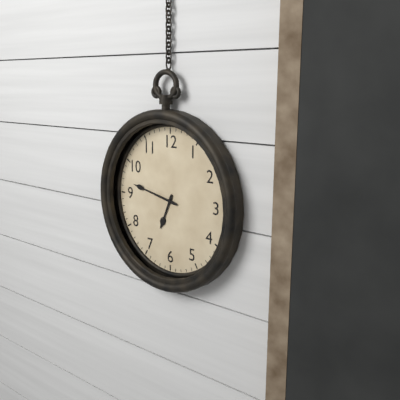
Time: {"hour": 6, "minute": 47}
